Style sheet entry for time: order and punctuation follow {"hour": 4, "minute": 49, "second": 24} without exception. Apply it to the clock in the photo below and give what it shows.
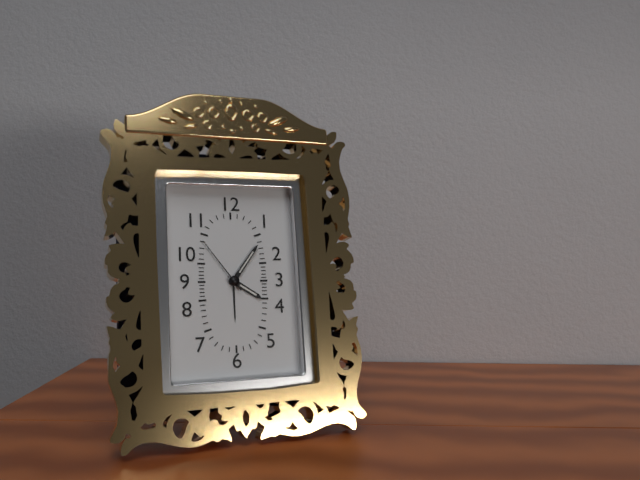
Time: {"hour": 4, "minute": 6, "second": 54}
